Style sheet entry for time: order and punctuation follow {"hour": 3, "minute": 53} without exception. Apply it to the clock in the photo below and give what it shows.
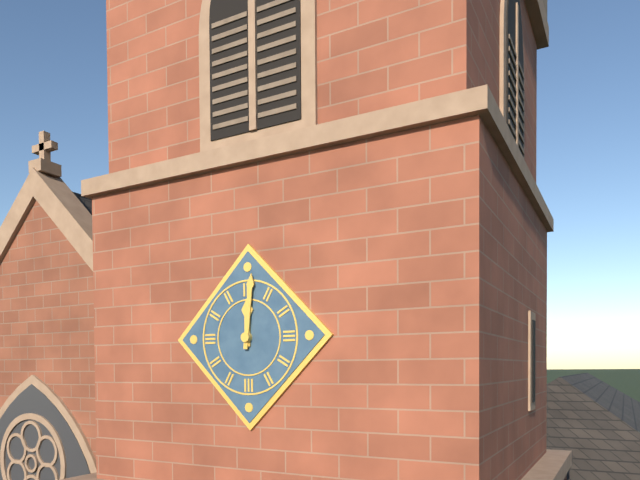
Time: {"hour": 12, "minute": 1}
